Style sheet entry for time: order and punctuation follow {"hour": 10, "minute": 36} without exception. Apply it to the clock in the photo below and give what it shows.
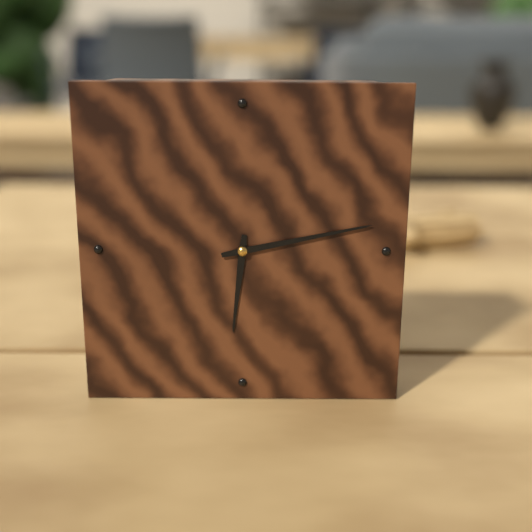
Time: {"hour": 6, "minute": 13}
